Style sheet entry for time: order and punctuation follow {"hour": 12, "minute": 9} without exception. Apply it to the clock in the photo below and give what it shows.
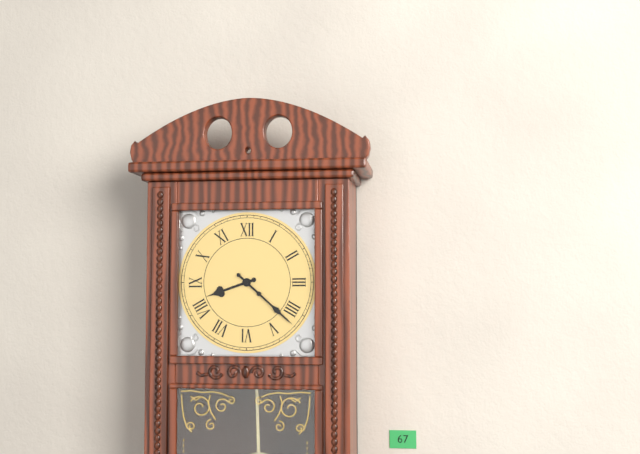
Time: {"hour": 8, "minute": 22}
